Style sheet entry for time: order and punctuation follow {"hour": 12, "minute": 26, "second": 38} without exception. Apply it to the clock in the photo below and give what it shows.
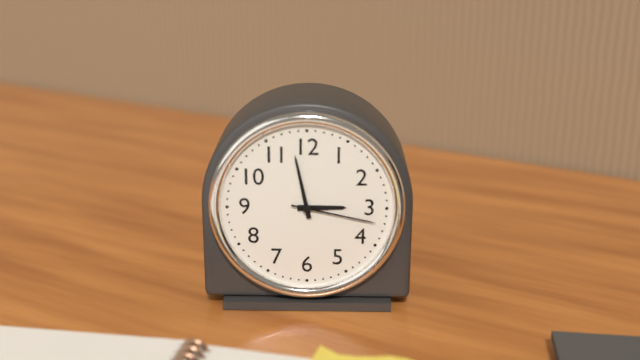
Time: {"hour": 2, "minute": 58, "second": 17}
